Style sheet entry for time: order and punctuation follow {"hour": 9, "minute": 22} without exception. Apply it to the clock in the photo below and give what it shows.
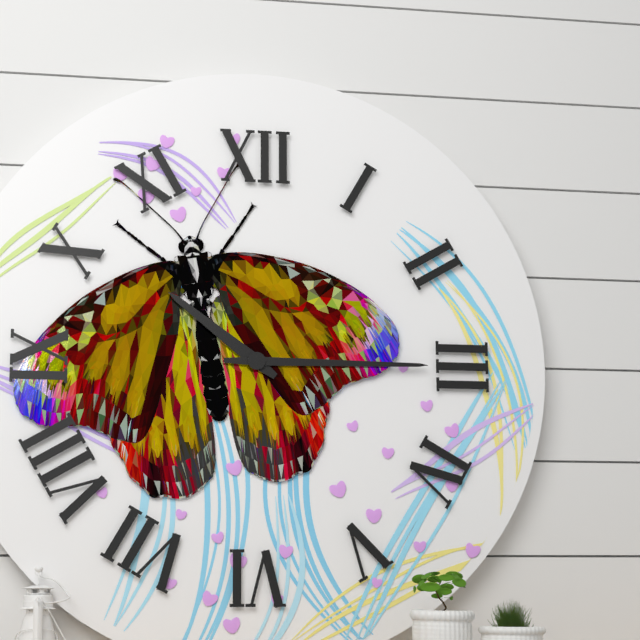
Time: {"hour": 10, "minute": 15}
